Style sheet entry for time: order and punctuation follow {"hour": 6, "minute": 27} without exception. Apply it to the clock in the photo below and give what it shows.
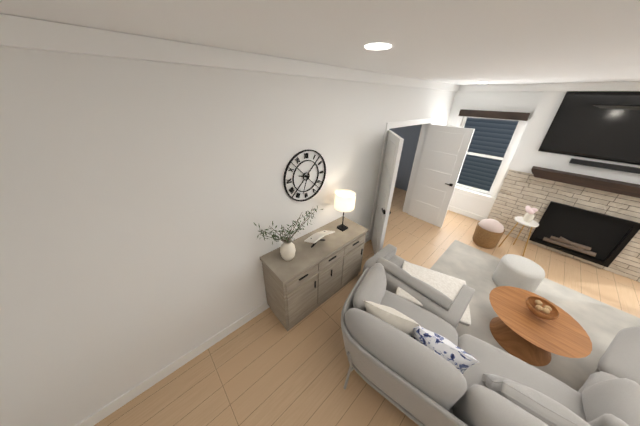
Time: {"hour": 9, "minute": 33}
